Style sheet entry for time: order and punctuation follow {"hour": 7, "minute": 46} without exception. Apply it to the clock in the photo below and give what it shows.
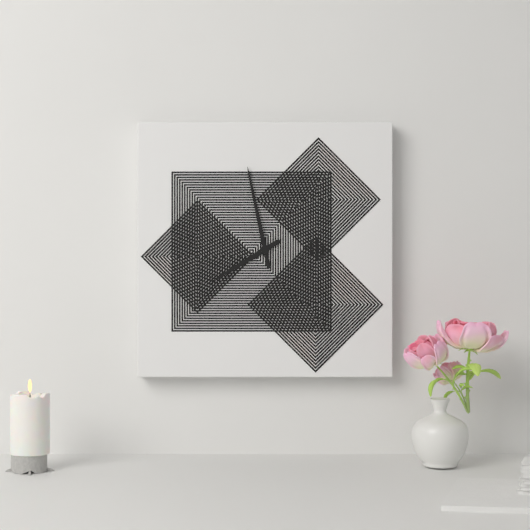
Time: {"hour": 7, "minute": 58}
